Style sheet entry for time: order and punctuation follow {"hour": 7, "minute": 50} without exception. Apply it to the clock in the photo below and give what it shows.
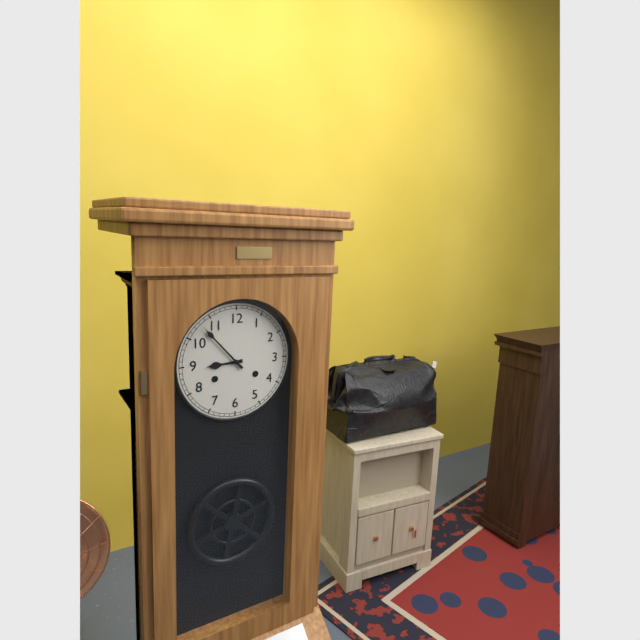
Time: {"hour": 8, "minute": 53}
